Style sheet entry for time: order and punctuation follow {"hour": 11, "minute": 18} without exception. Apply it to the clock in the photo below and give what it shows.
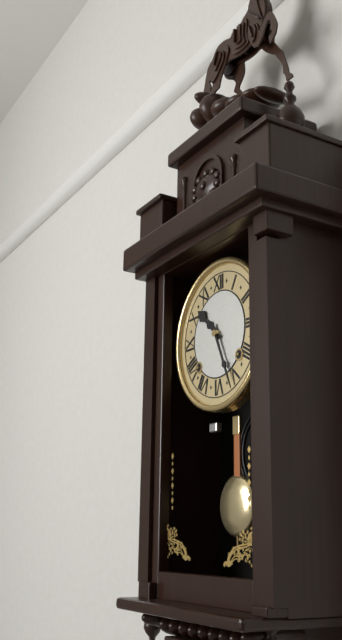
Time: {"hour": 10, "minute": 26}
